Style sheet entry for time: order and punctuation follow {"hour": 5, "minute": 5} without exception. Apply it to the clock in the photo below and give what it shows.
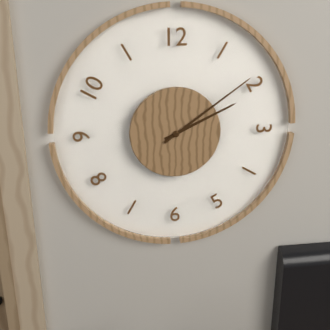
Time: {"hour": 2, "minute": 9}
